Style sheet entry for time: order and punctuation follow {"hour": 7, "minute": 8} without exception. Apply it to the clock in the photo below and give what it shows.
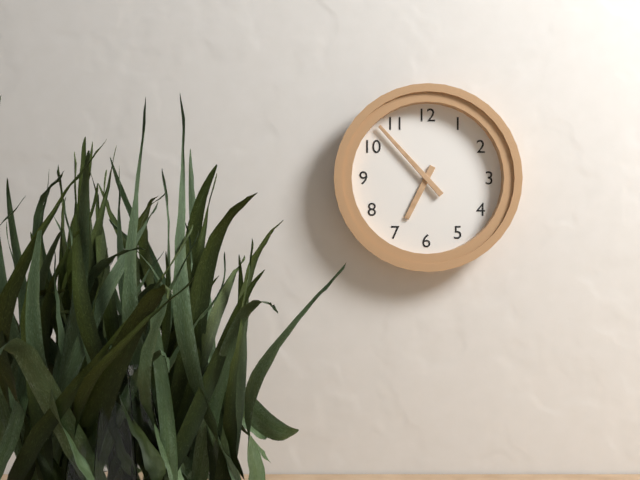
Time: {"hour": 6, "minute": 53}
